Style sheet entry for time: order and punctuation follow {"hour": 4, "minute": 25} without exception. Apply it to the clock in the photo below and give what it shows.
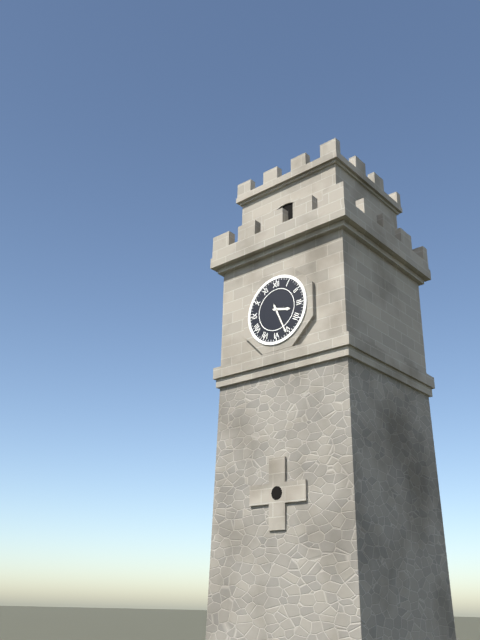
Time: {"hour": 3, "minute": 26}
